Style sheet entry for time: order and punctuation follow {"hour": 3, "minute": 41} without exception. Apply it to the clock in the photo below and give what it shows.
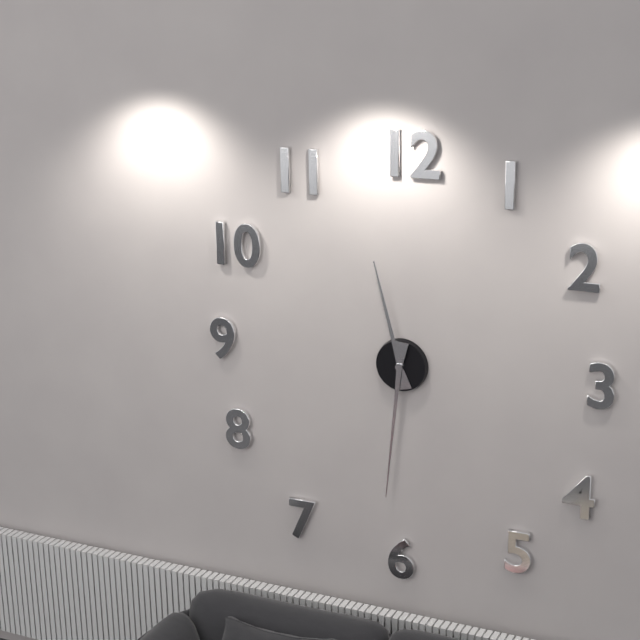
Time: {"hour": 11, "minute": 31}
